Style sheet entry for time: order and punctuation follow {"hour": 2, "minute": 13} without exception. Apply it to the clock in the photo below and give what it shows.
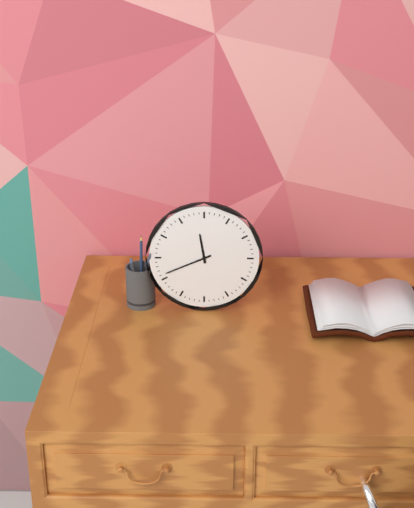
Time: {"hour": 11, "minute": 41}
